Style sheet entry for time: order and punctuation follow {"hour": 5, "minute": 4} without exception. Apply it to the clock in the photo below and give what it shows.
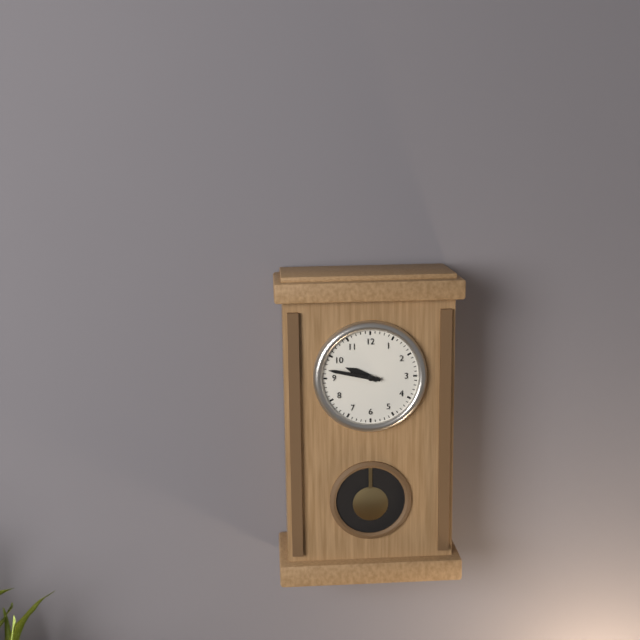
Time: {"hour": 9, "minute": 47}
